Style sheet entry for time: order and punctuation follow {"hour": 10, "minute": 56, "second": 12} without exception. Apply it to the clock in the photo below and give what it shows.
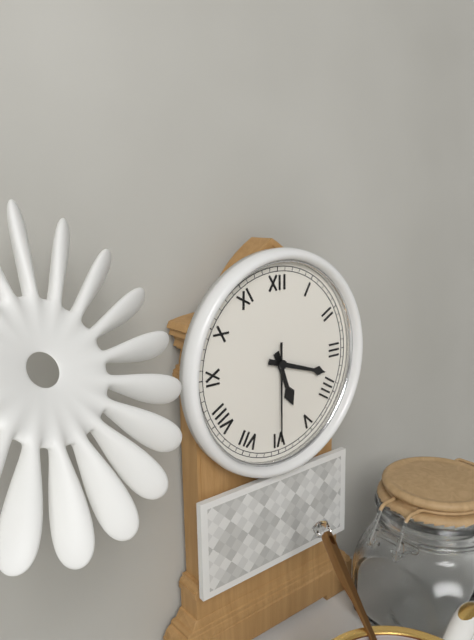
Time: {"hour": 5, "minute": 18, "second": 30}
